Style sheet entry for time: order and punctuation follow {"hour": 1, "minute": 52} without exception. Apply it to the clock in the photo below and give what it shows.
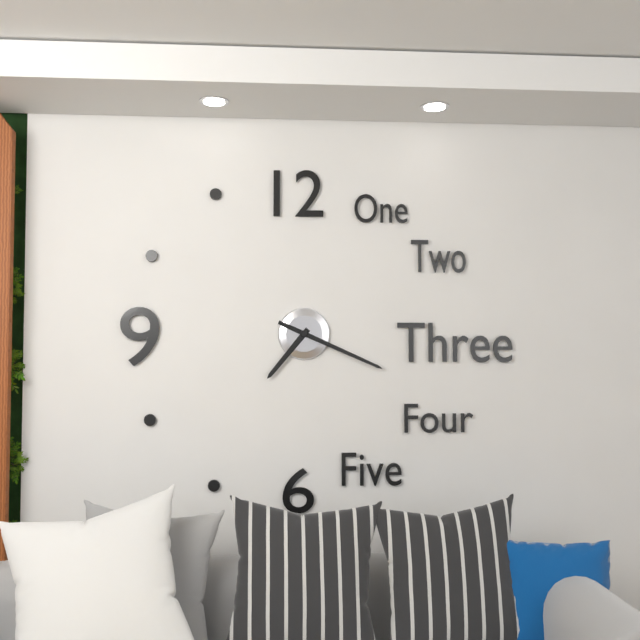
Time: {"hour": 7, "minute": 19}
